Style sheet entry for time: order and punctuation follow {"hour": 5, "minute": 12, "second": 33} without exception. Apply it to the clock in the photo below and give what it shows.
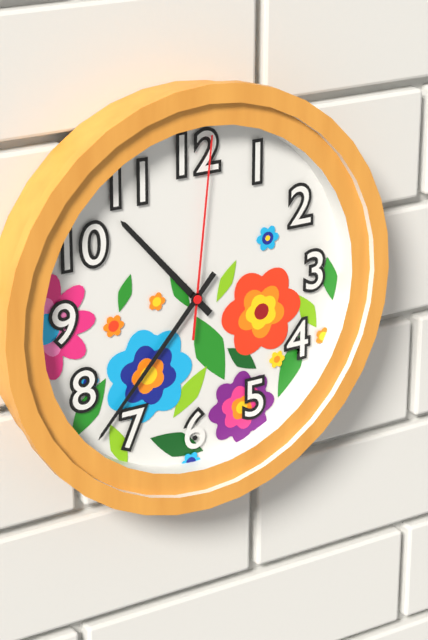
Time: {"hour": 10, "minute": 37, "second": 1}
